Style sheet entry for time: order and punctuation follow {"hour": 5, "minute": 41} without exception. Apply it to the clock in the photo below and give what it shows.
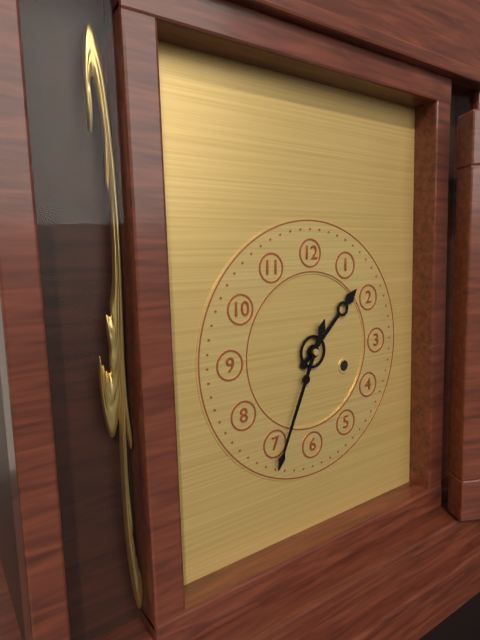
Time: {"hour": 1, "minute": 34}
